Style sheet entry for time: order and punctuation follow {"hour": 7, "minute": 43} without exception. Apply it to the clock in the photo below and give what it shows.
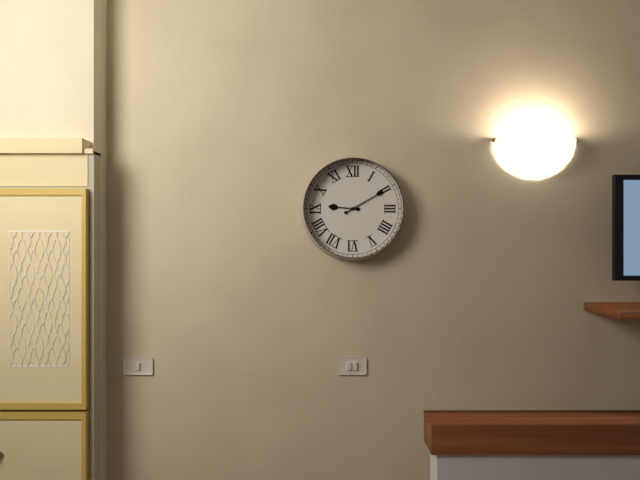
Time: {"hour": 9, "minute": 10}
